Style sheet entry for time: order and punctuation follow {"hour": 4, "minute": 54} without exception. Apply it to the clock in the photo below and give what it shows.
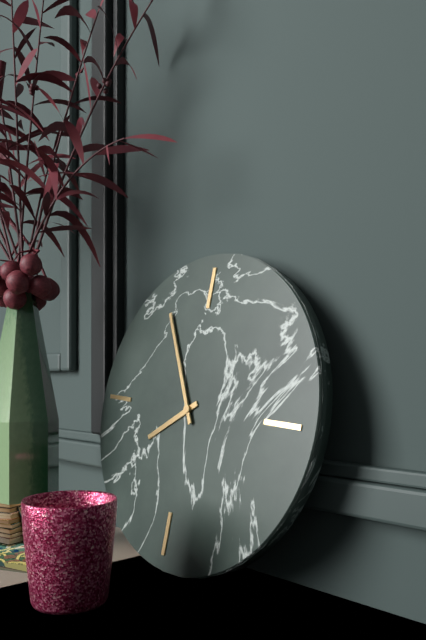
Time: {"hour": 7, "minute": 55}
